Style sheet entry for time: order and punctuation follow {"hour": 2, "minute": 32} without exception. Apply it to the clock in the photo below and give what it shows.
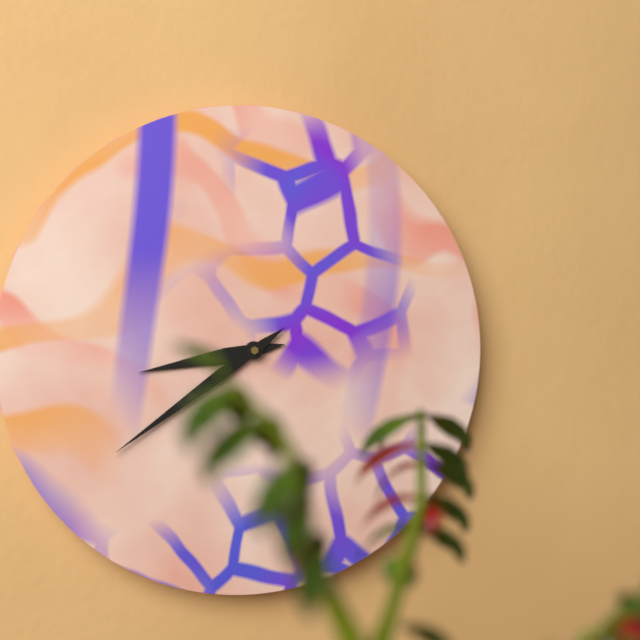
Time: {"hour": 8, "minute": 39}
